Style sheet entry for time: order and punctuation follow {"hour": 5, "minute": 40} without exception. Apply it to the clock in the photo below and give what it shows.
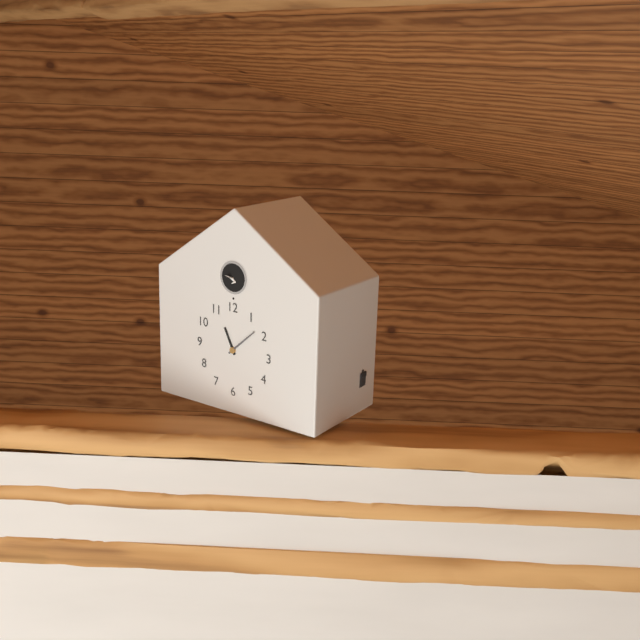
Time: {"hour": 11, "minute": 8}
